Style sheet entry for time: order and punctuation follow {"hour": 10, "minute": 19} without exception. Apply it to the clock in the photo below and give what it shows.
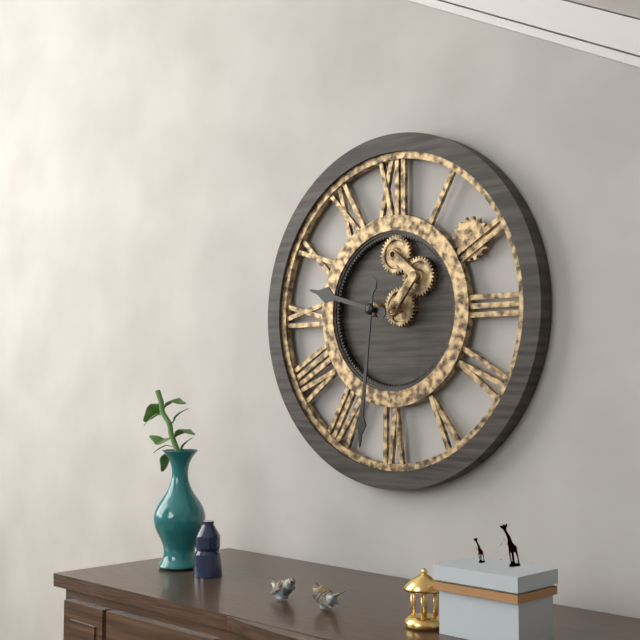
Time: {"hour": 9, "minute": 31}
